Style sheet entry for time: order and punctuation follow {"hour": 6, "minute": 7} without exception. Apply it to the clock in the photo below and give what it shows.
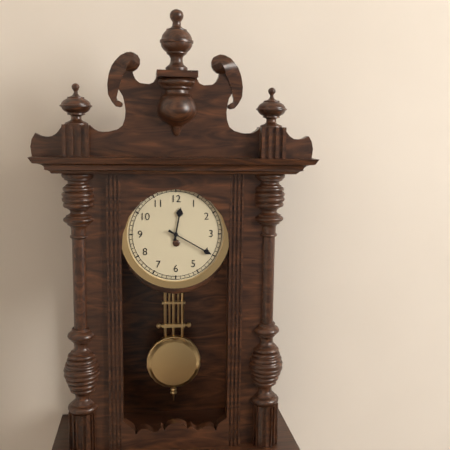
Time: {"hour": 12, "minute": 20}
